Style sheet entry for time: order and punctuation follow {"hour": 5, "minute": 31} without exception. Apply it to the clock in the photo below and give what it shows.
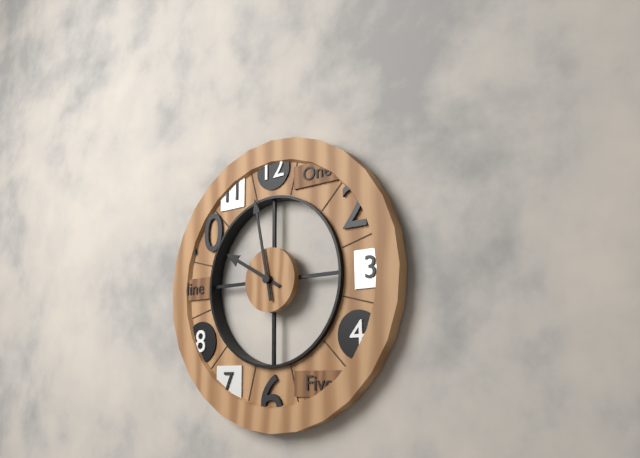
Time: {"hour": 9, "minute": 58}
